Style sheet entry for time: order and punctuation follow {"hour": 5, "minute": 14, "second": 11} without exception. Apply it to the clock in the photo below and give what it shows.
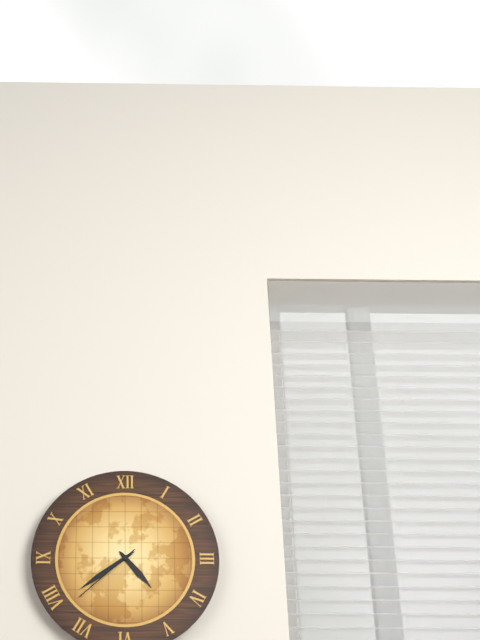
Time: {"hour": 4, "minute": 39, "second": 38}
